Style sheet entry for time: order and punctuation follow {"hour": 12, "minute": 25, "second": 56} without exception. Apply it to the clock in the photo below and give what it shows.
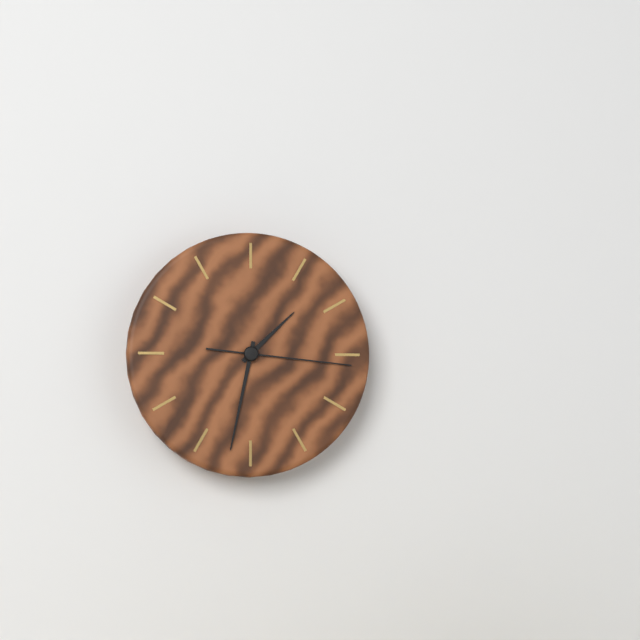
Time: {"hour": 1, "minute": 32, "second": 16}
